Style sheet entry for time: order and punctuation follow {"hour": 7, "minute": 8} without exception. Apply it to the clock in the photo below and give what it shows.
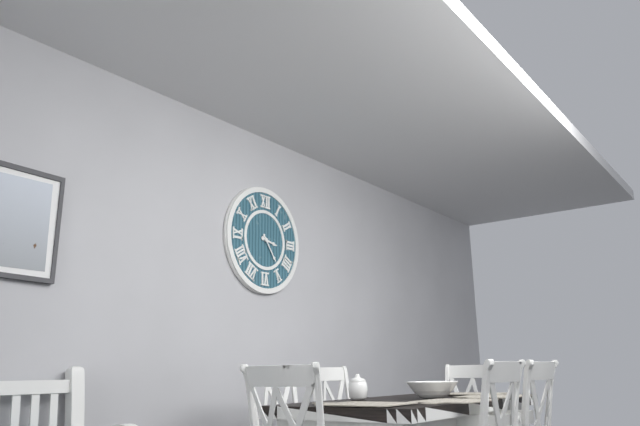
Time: {"hour": 3, "minute": 24}
